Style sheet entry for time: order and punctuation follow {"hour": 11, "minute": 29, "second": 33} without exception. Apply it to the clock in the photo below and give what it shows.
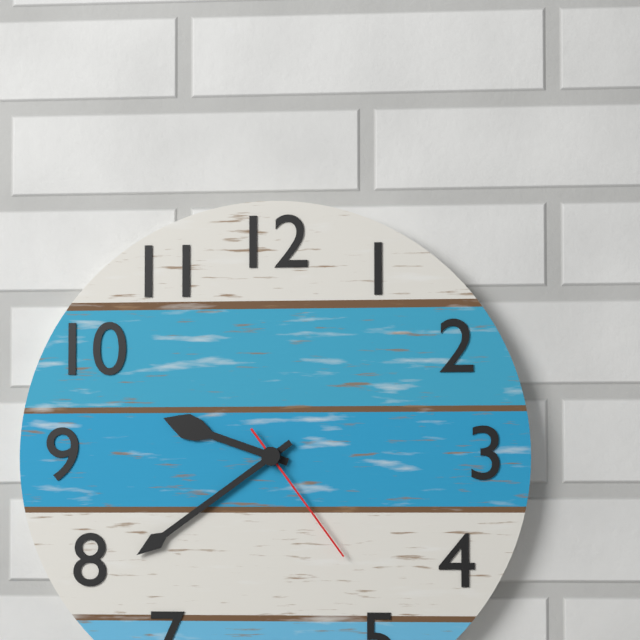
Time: {"hour": 9, "minute": 39, "second": 24}
